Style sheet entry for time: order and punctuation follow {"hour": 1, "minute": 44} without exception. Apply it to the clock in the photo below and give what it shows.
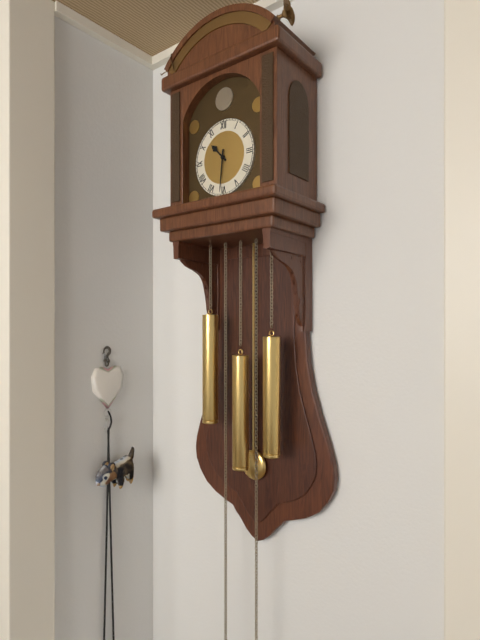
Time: {"hour": 10, "minute": 31}
